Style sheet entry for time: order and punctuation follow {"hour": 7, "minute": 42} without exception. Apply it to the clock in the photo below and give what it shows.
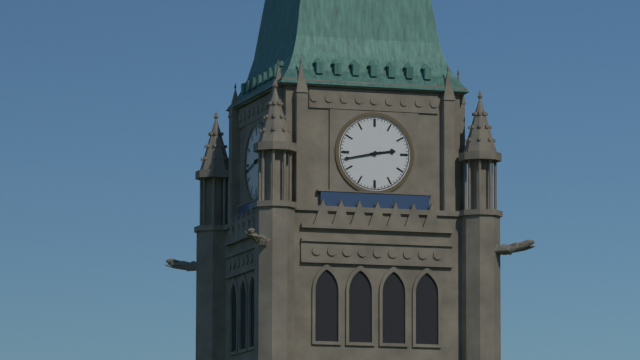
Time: {"hour": 2, "minute": 43}
